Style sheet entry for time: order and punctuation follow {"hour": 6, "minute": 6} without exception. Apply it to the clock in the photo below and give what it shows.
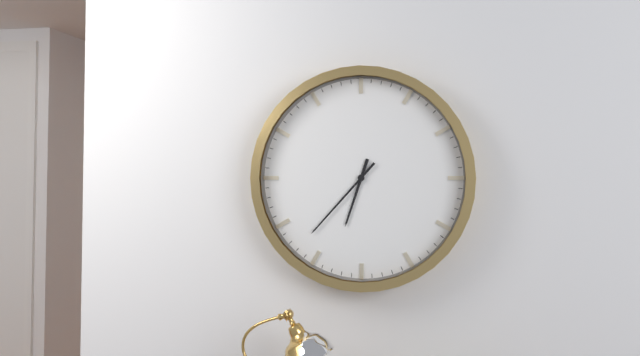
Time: {"hour": 6, "minute": 37}
